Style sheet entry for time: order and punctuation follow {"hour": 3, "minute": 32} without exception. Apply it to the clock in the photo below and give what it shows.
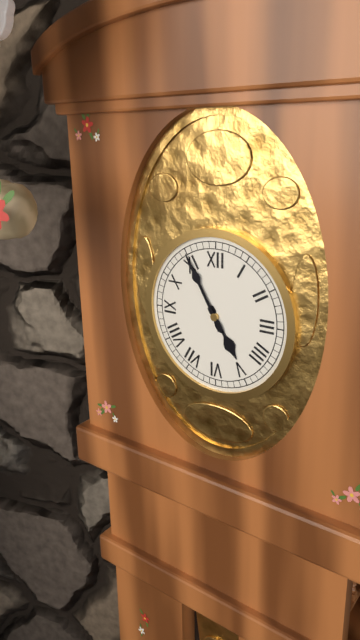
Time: {"hour": 4, "minute": 55}
